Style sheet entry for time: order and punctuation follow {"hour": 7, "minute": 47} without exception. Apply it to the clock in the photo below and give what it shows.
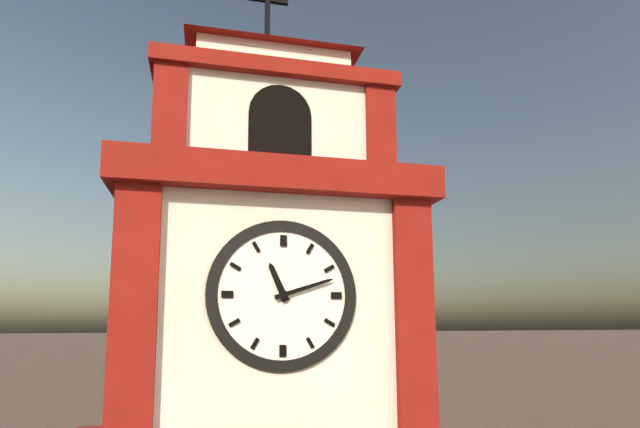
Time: {"hour": 11, "minute": 12}
